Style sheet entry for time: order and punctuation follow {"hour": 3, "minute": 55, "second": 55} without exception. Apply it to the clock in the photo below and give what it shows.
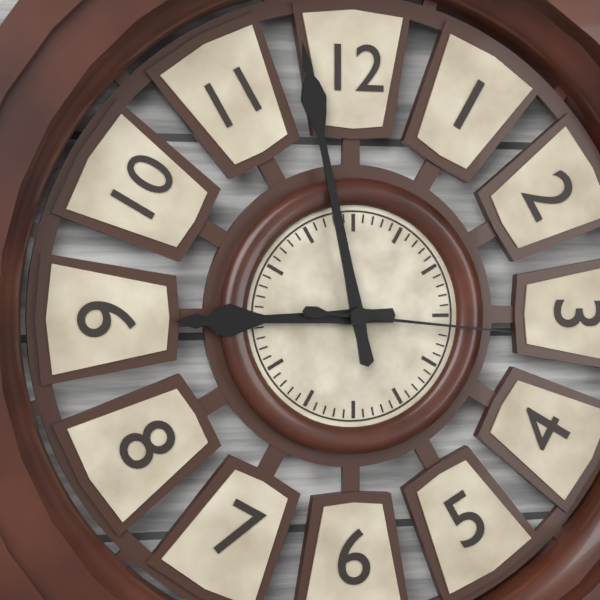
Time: {"hour": 8, "minute": 58, "second": 16}
